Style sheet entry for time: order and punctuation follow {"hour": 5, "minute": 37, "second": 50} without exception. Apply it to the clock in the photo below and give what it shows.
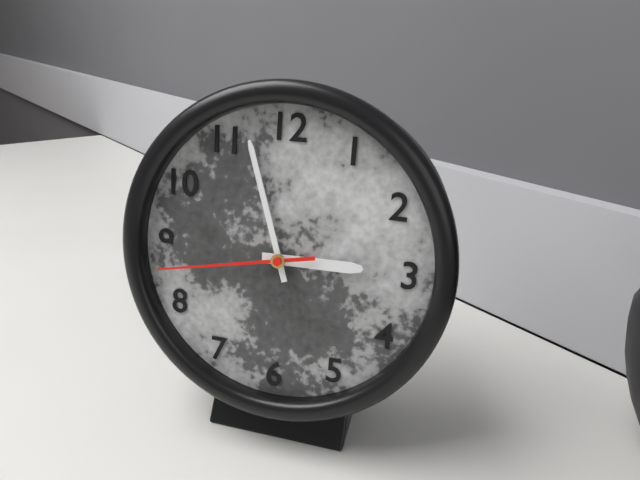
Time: {"hour": 2, "minute": 57, "second": 43}
